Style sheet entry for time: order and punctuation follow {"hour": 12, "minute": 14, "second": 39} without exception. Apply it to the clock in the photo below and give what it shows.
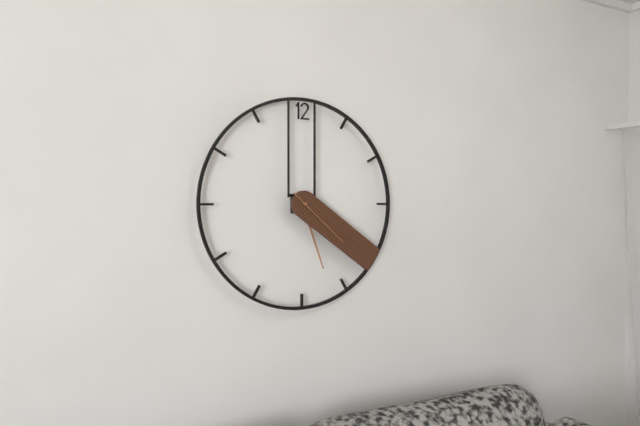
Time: {"hour": 5, "minute": 21, "second": 22}
